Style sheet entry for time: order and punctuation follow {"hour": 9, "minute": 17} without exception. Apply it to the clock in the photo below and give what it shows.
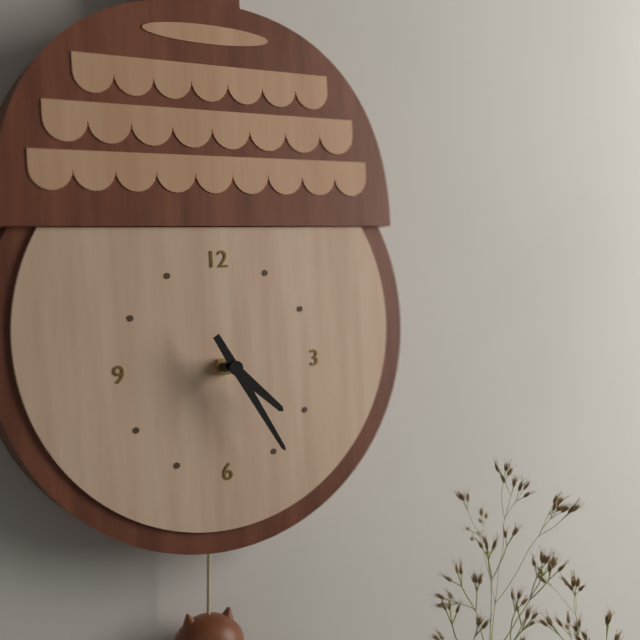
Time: {"hour": 4, "minute": 25}
